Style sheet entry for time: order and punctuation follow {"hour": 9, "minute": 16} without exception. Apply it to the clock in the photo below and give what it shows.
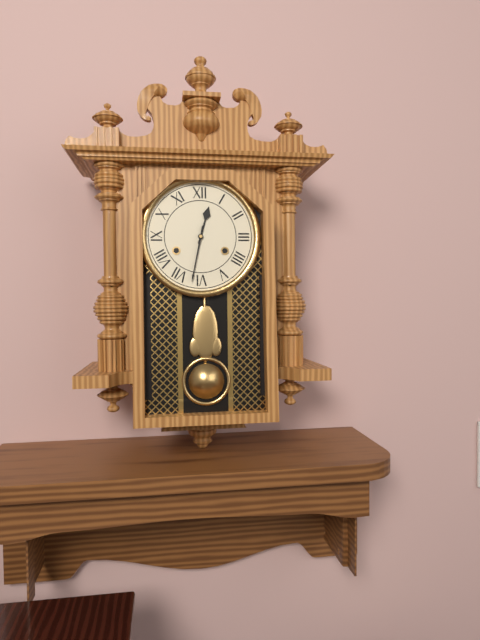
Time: {"hour": 12, "minute": 32}
